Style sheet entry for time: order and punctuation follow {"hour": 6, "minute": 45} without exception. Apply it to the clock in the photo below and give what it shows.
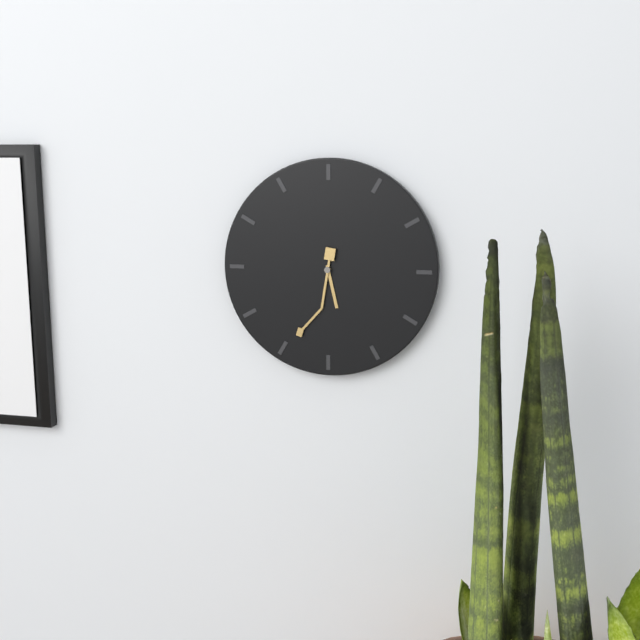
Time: {"hour": 5, "minute": 34}
